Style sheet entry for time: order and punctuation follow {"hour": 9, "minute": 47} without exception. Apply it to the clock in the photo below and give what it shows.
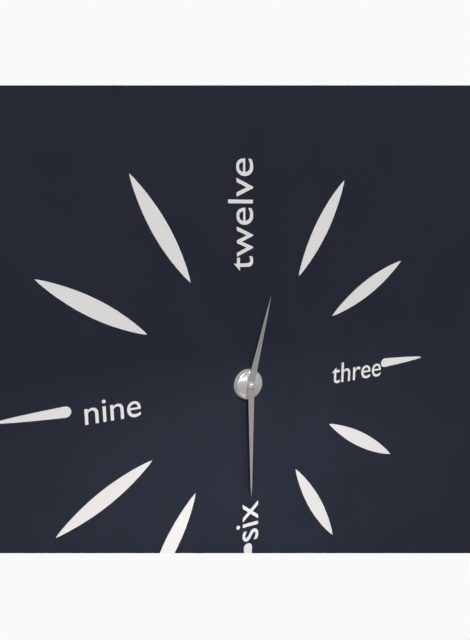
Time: {"hour": 12, "minute": 30}
